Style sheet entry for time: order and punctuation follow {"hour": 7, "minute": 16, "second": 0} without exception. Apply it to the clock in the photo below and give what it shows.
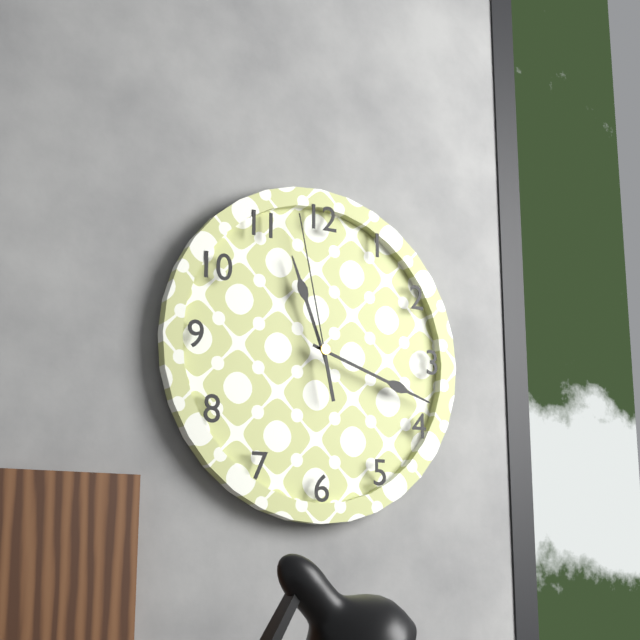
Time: {"hour": 11, "minute": 18, "second": 58}
